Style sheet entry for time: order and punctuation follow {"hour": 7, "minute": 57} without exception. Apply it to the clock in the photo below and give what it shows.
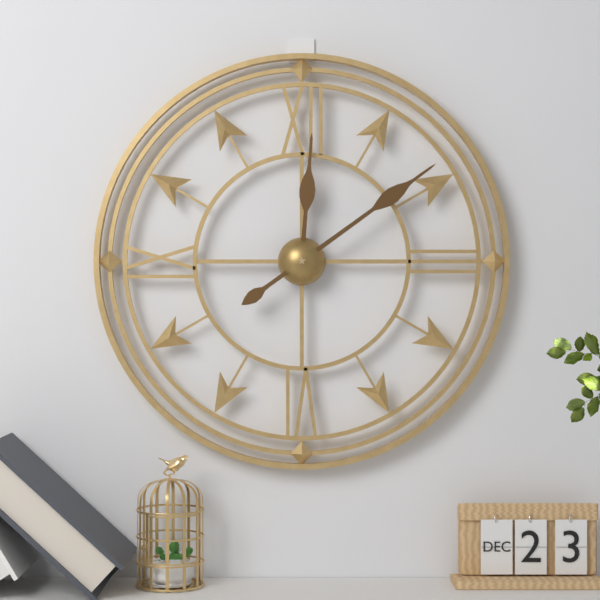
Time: {"hour": 12, "minute": 9}
